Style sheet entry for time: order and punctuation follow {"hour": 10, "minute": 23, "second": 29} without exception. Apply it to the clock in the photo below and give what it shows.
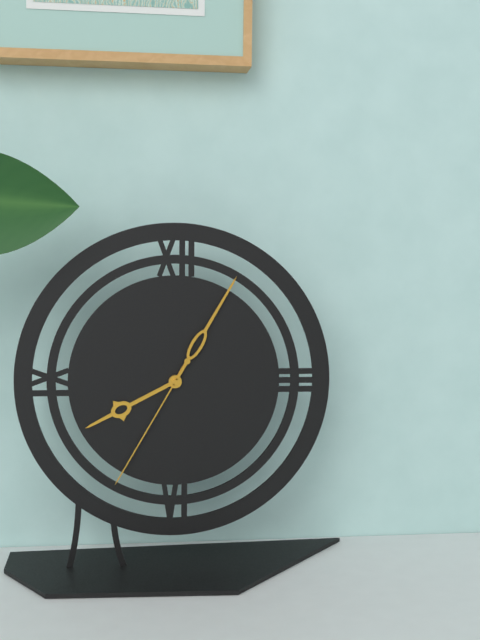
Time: {"hour": 8, "minute": 5, "second": 35}
